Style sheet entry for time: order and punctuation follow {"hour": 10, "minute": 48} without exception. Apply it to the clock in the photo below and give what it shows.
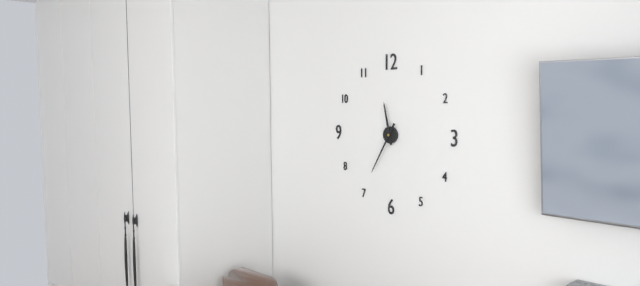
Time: {"hour": 11, "minute": 35}
